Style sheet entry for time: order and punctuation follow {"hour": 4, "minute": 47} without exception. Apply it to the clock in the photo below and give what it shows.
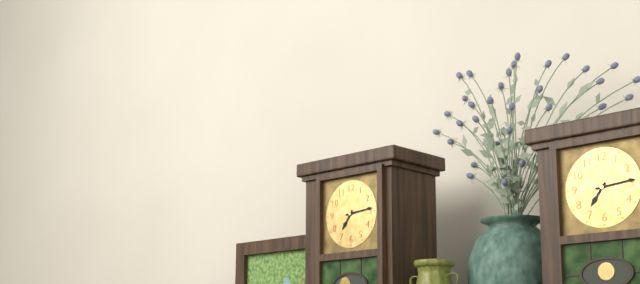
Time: {"hour": 7, "minute": 14}
